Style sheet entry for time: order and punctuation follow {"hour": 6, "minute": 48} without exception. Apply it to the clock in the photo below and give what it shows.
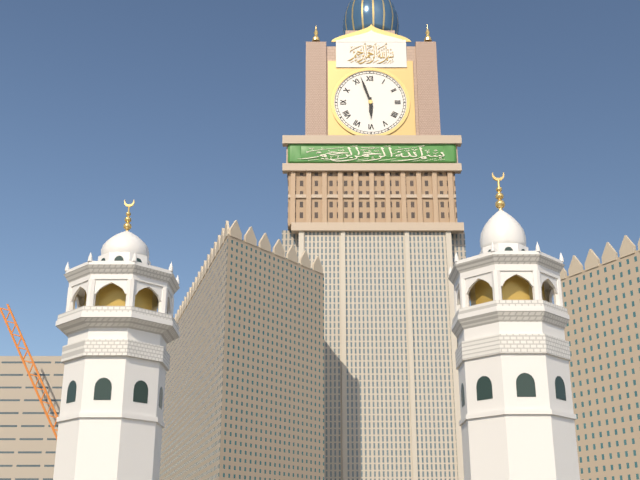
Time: {"hour": 5, "minute": 57}
